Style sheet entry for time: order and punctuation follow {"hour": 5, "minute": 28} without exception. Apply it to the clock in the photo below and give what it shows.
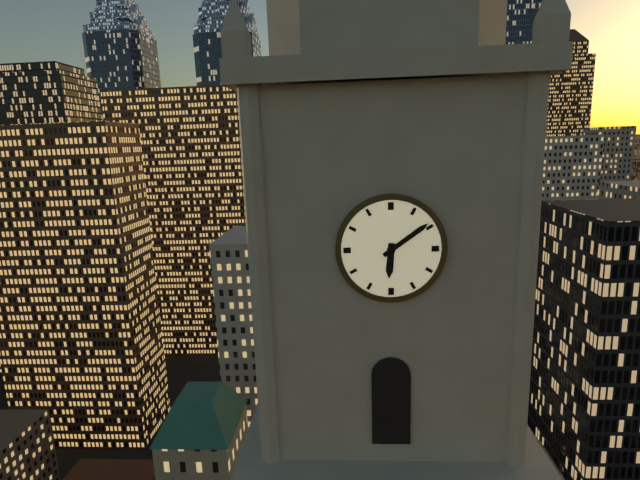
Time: {"hour": 6, "minute": 9}
